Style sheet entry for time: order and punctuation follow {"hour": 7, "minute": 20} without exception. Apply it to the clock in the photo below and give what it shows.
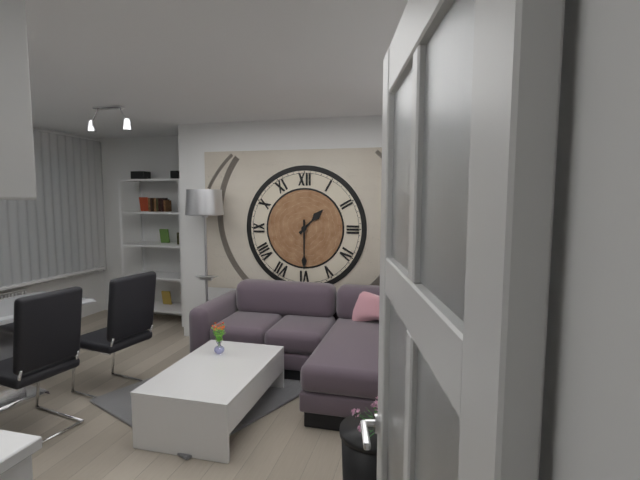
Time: {"hour": 1, "minute": 30}
